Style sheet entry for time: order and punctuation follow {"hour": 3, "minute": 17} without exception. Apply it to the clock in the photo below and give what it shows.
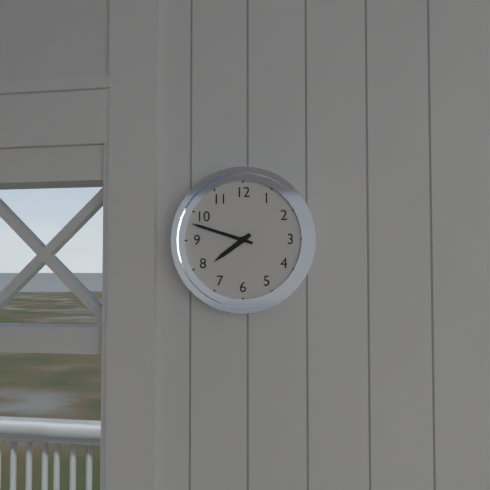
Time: {"hour": 7, "minute": 48}
